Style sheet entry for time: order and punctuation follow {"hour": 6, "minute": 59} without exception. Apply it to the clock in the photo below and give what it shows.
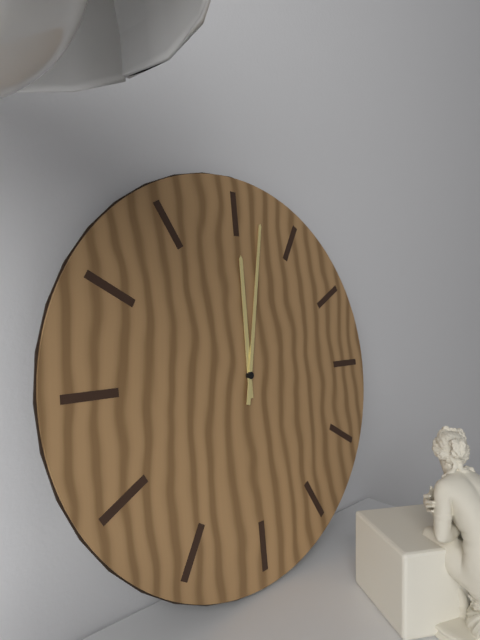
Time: {"hour": 12, "minute": 2}
